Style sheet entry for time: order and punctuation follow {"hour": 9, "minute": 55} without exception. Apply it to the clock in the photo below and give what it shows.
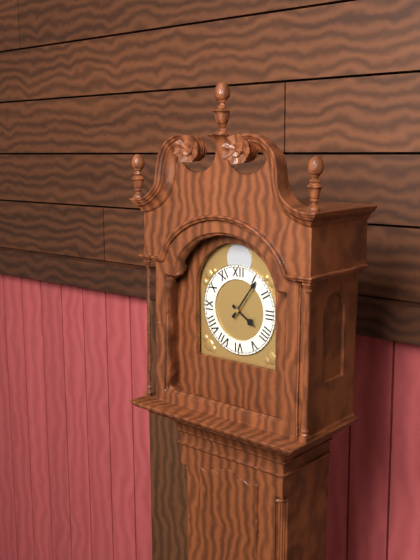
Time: {"hour": 4, "minute": 6}
